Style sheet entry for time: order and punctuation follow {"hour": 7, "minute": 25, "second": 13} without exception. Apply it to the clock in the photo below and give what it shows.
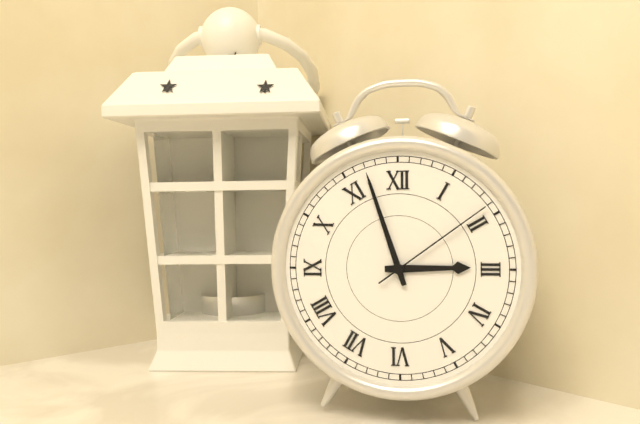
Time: {"hour": 2, "minute": 57, "second": 9}
